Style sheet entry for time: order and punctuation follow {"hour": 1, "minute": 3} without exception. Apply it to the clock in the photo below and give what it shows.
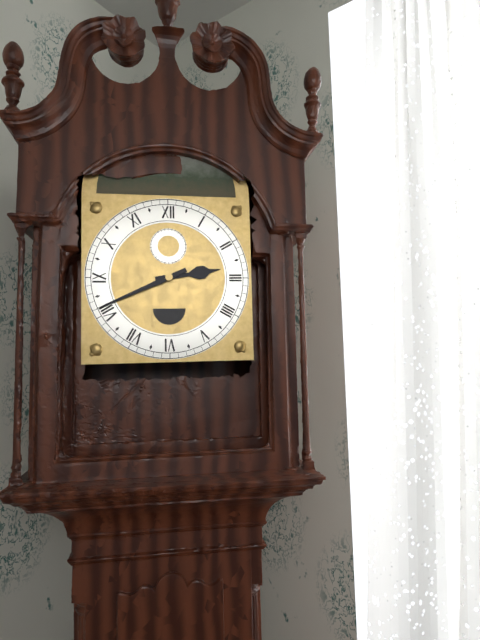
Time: {"hour": 2, "minute": 41}
